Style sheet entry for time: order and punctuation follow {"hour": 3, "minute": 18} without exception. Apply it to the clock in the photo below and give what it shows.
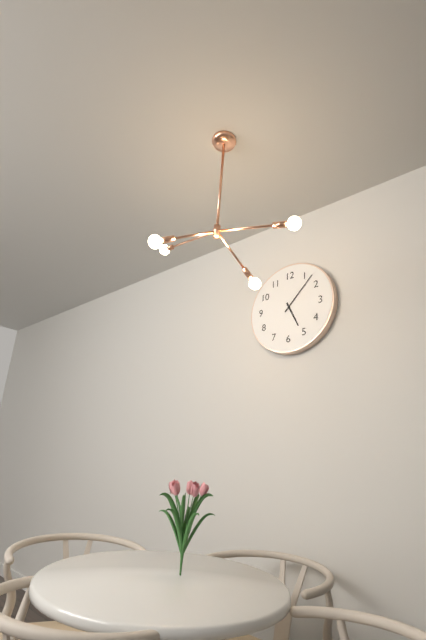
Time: {"hour": 5, "minute": 7}
